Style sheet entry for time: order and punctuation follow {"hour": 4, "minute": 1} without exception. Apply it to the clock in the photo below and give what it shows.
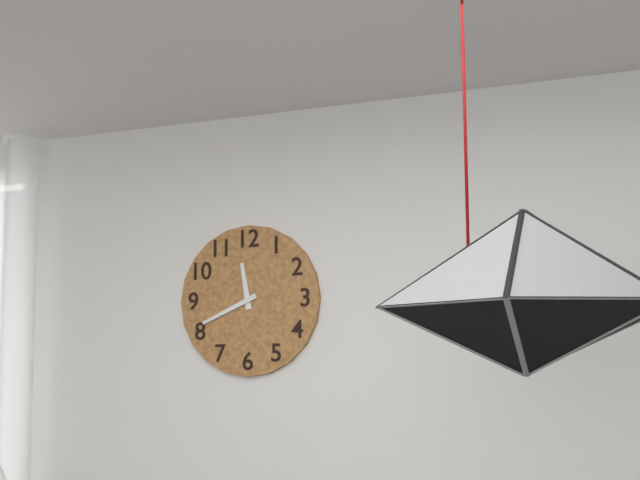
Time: {"hour": 11, "minute": 41}
